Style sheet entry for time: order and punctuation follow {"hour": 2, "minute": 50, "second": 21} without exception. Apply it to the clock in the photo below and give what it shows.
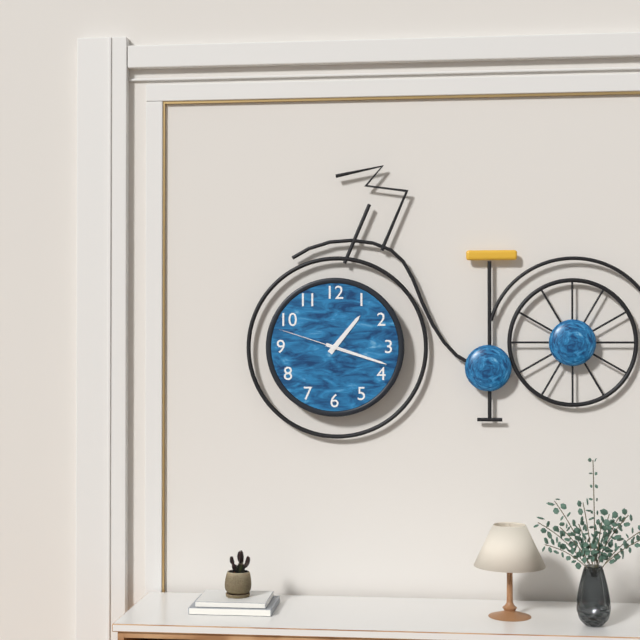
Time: {"hour": 1, "minute": 18, "second": 48}
